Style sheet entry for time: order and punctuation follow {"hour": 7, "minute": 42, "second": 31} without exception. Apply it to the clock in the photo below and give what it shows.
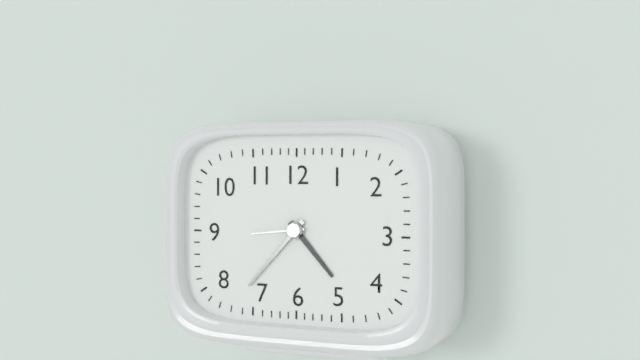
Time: {"hour": 4, "minute": 37, "second": 44}
